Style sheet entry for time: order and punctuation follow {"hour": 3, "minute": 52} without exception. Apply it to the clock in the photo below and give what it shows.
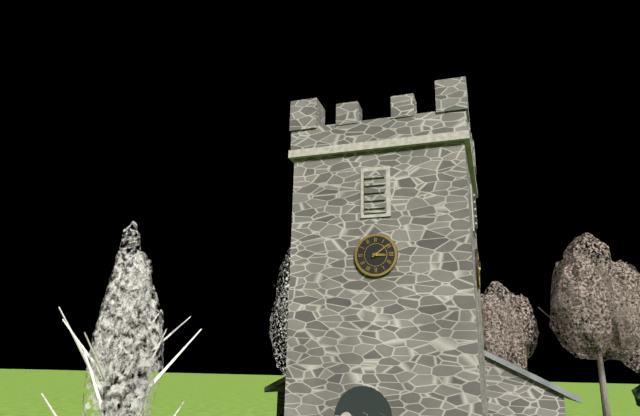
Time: {"hour": 3, "minute": 9}
